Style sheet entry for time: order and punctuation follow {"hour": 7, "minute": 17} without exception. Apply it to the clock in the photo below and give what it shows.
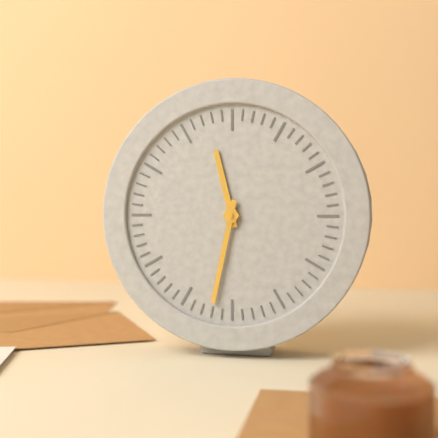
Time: {"hour": 11, "minute": 32}
